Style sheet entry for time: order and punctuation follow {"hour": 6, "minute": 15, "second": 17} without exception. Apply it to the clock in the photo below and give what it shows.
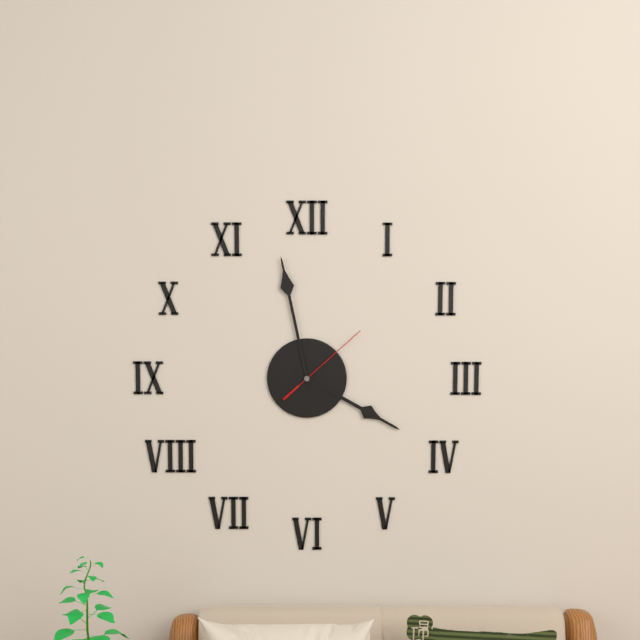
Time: {"hour": 3, "minute": 58, "second": 8}
